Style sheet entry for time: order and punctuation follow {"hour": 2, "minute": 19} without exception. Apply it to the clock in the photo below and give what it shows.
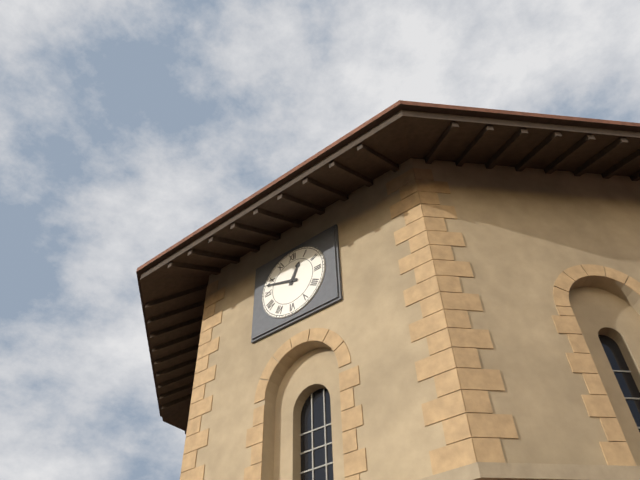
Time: {"hour": 12, "minute": 48}
